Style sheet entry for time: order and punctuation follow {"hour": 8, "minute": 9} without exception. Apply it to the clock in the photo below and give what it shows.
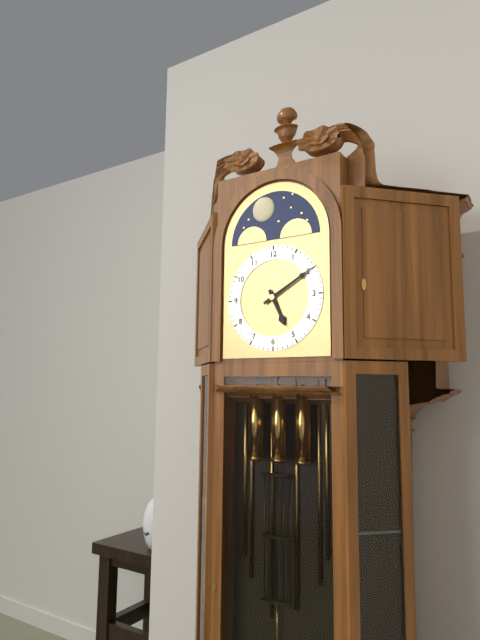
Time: {"hour": 5, "minute": 10}
